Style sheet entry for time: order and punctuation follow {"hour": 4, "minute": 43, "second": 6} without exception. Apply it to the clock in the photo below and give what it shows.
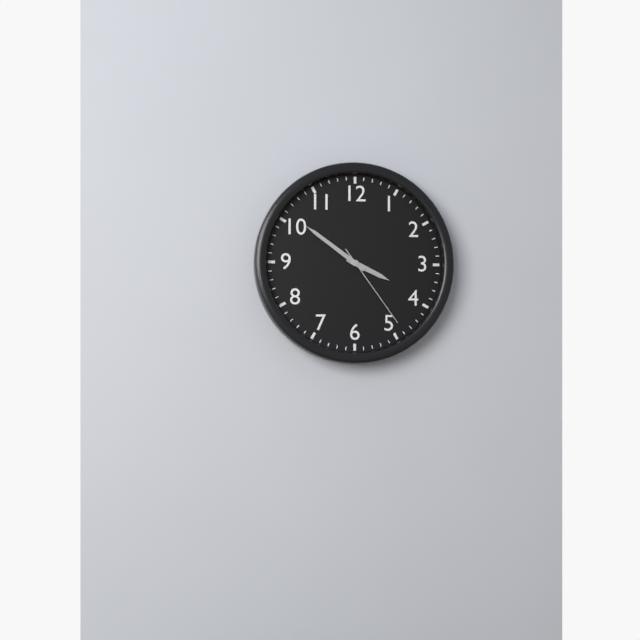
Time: {"hour": 3, "minute": 51, "second": 24}
